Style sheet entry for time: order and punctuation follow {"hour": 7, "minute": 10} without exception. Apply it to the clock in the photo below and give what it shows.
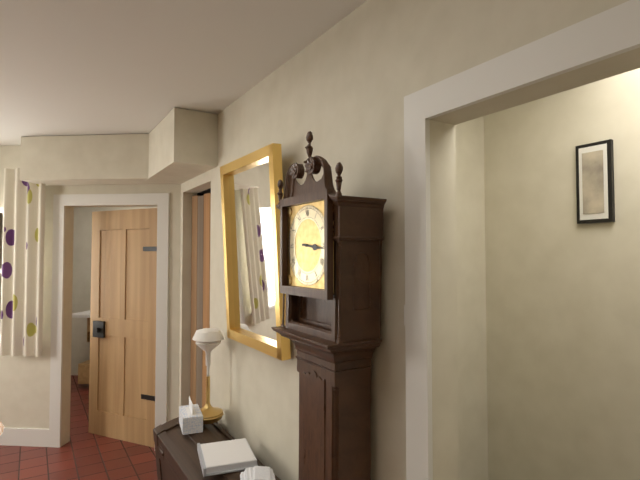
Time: {"hour": 3, "minute": 16}
